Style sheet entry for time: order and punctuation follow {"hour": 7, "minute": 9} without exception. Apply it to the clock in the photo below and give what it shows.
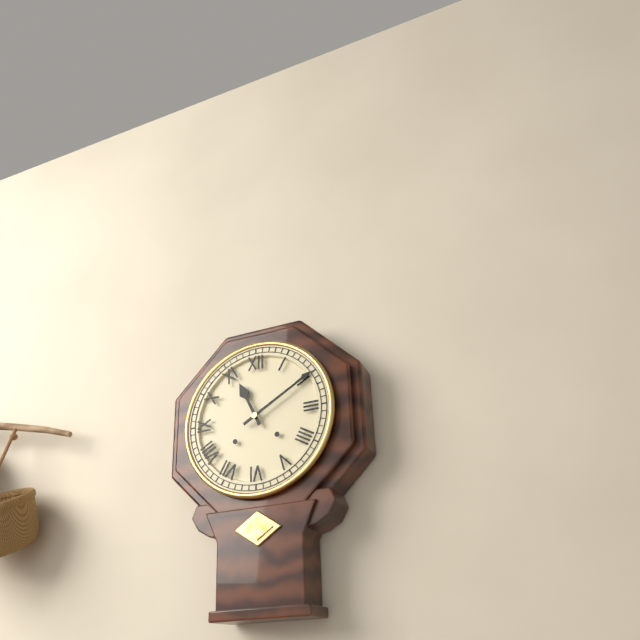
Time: {"hour": 11, "minute": 10}
